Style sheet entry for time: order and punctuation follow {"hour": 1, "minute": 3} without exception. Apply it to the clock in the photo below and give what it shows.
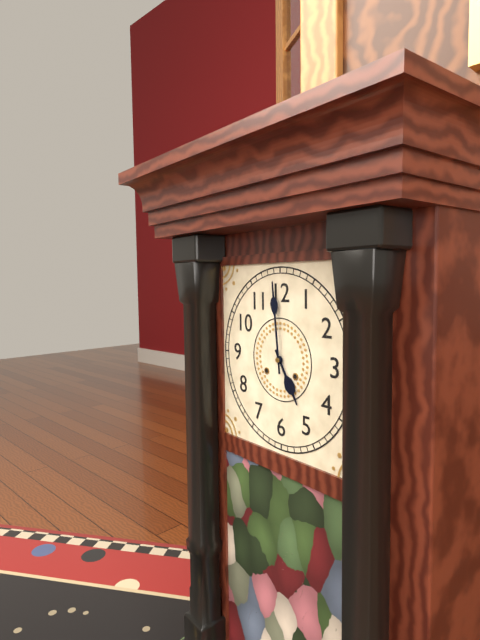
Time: {"hour": 4, "minute": 59}
